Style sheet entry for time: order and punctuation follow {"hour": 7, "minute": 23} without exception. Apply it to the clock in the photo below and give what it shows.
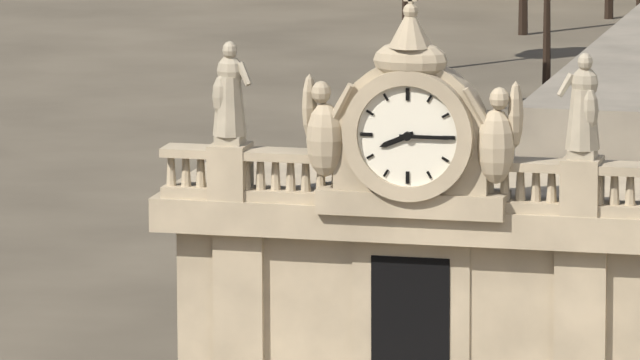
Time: {"hour": 8, "minute": 15}
